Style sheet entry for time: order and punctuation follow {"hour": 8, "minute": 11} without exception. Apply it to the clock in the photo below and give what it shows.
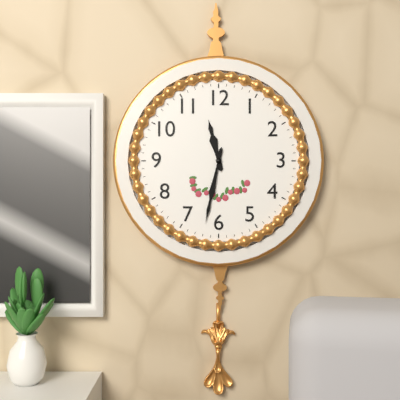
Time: {"hour": 11, "minute": 32}
